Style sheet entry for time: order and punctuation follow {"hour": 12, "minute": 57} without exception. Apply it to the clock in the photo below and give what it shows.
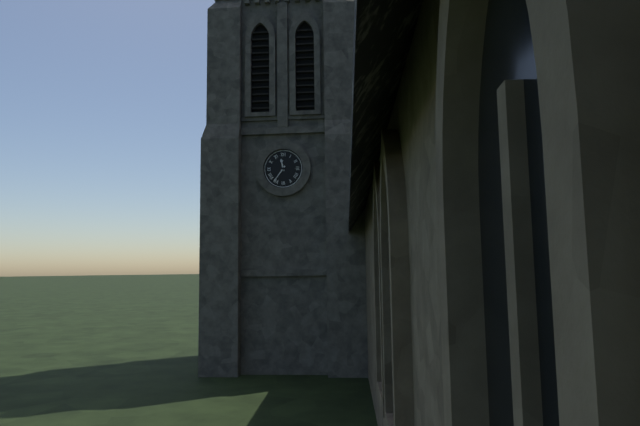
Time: {"hour": 11, "minute": 36}
